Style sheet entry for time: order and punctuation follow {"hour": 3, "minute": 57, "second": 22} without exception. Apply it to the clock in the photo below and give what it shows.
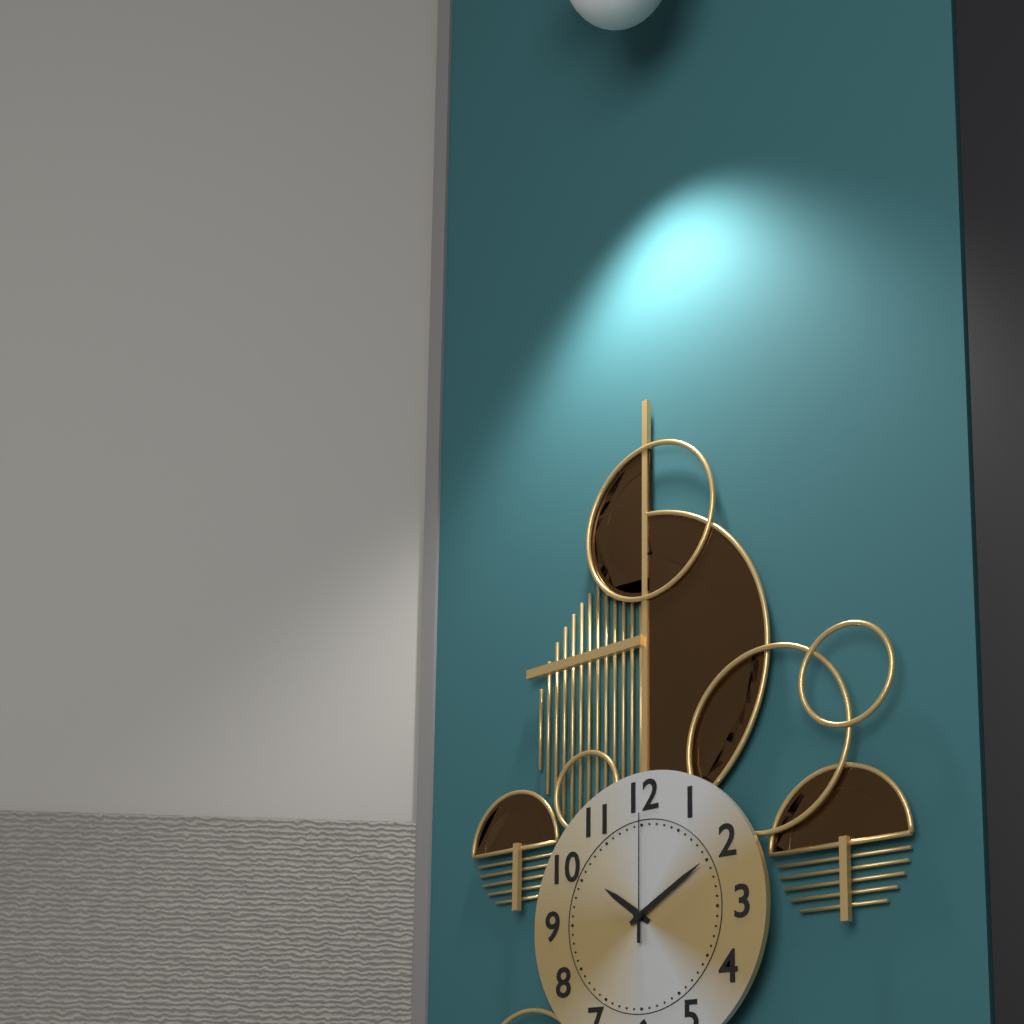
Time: {"hour": 10, "minute": 10, "second": 0}
